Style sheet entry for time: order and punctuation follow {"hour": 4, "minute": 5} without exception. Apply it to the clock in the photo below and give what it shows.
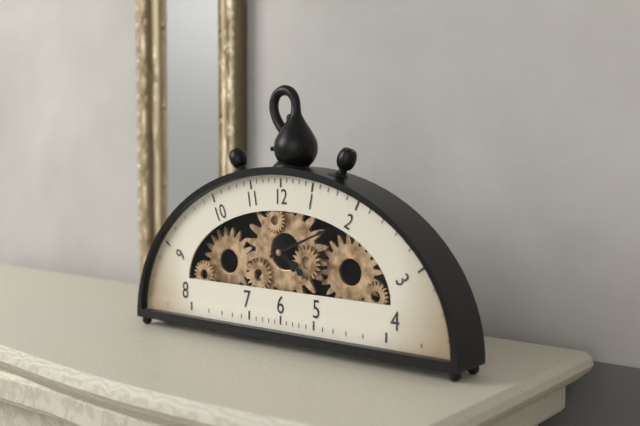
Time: {"hour": 4, "minute": 11}
